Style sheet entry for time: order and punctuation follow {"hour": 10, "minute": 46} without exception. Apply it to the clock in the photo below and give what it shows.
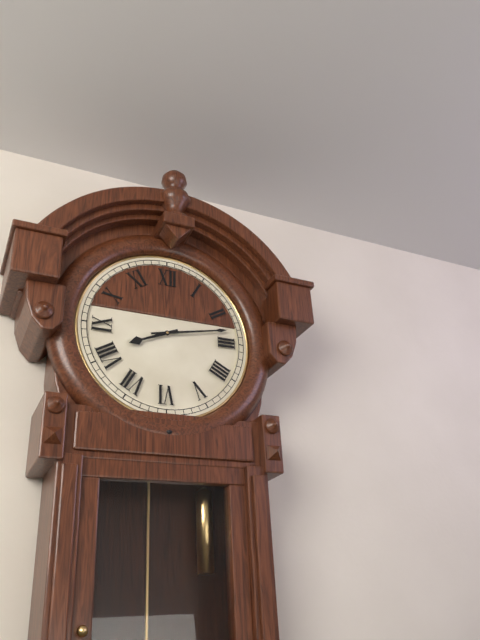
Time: {"hour": 8, "minute": 13}
